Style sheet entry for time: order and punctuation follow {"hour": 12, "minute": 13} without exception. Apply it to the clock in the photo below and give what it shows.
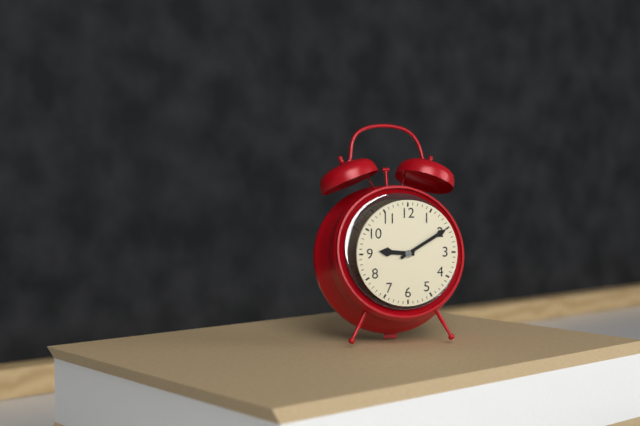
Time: {"hour": 9, "minute": 10}
